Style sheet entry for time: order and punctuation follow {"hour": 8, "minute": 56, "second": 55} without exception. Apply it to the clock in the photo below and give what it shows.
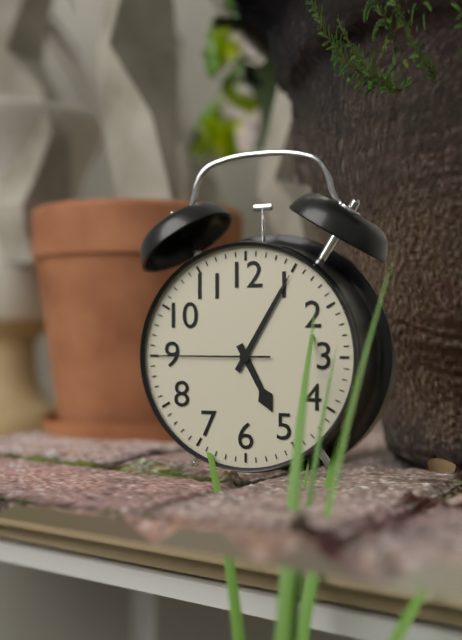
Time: {"hour": 5, "minute": 5, "second": 45}
